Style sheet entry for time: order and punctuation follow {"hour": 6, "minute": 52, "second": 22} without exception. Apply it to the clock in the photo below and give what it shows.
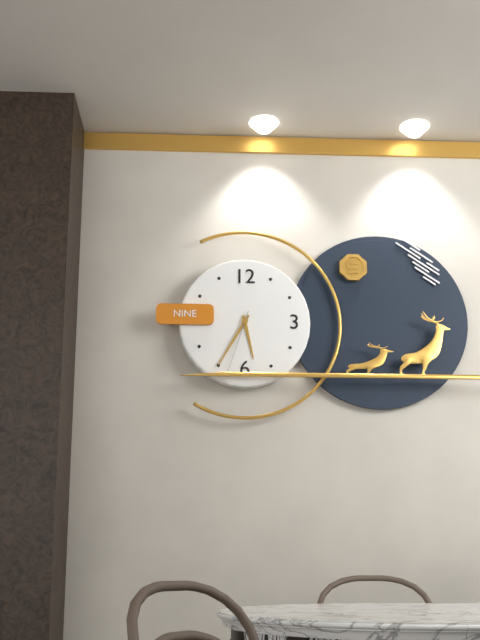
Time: {"hour": 5, "minute": 35, "second": 33}
